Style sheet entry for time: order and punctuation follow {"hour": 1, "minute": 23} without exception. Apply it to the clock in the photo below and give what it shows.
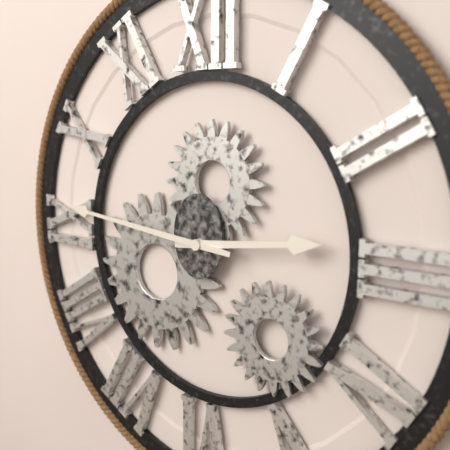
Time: {"hour": 2, "minute": 46}
